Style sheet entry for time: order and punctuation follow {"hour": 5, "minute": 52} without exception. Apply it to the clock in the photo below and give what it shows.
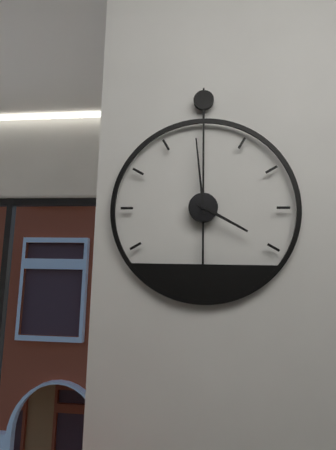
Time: {"hour": 3, "minute": 59}
